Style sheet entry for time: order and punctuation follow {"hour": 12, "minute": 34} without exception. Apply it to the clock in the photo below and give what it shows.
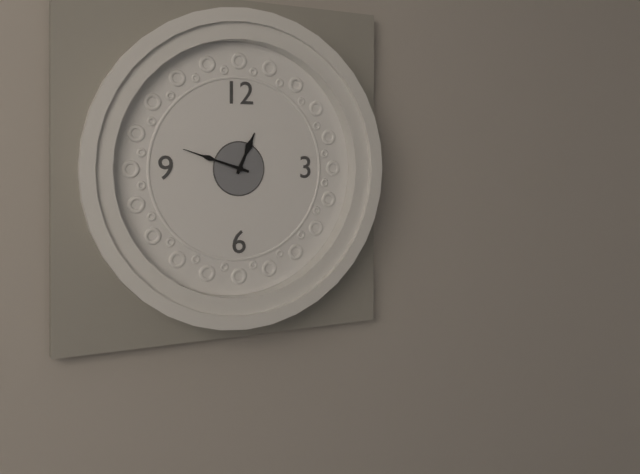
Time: {"hour": 12, "minute": 48}
